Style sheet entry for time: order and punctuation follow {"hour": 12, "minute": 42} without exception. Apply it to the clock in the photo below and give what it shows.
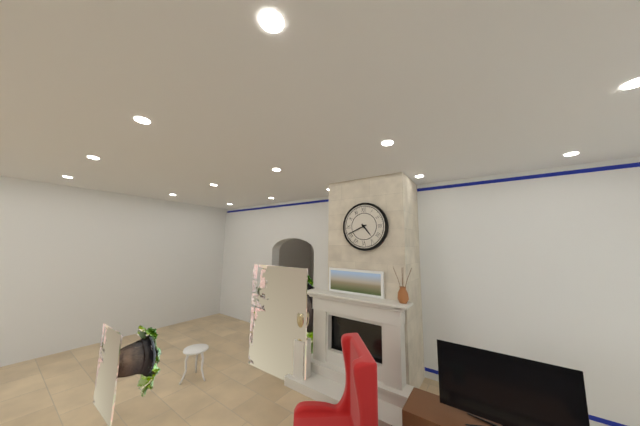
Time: {"hour": 4, "minute": 41}
